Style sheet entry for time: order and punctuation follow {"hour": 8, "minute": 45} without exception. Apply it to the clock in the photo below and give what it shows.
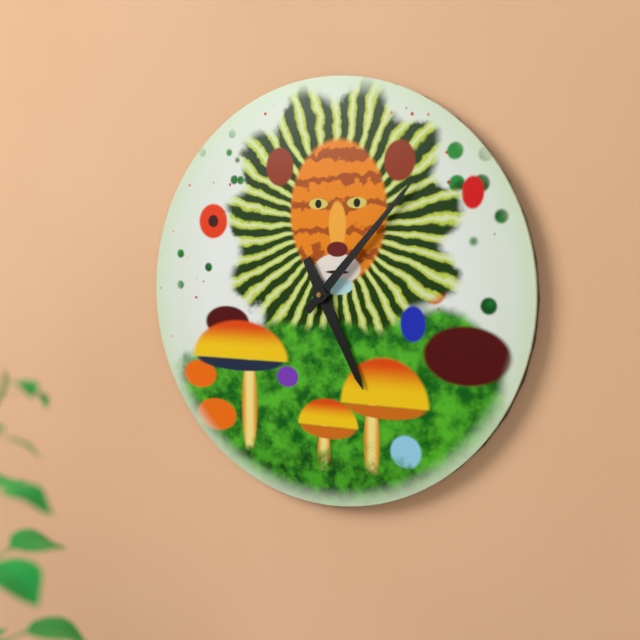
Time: {"hour": 5, "minute": 7}
